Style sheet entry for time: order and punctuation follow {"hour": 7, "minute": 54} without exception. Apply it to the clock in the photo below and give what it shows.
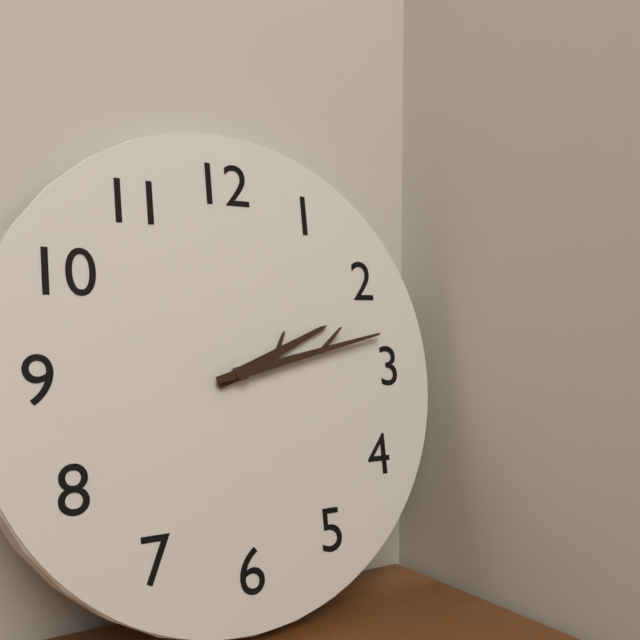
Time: {"hour": 2, "minute": 13}
